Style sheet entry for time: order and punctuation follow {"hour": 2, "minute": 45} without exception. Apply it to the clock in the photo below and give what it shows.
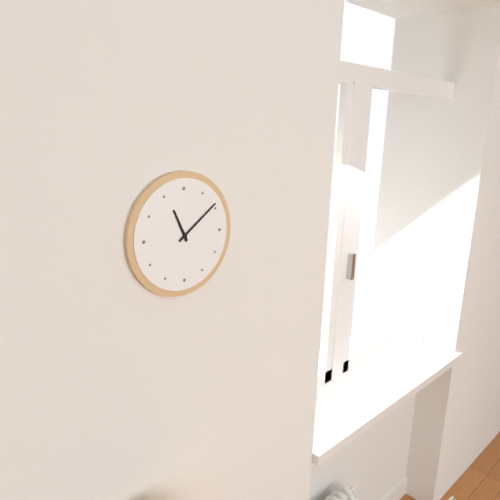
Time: {"hour": 11, "minute": 9}
